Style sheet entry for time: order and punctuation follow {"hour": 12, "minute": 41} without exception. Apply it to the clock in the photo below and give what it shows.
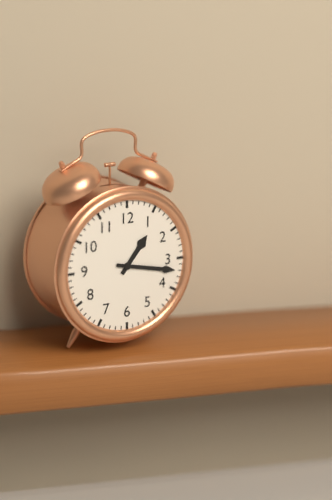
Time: {"hour": 1, "minute": 17}
